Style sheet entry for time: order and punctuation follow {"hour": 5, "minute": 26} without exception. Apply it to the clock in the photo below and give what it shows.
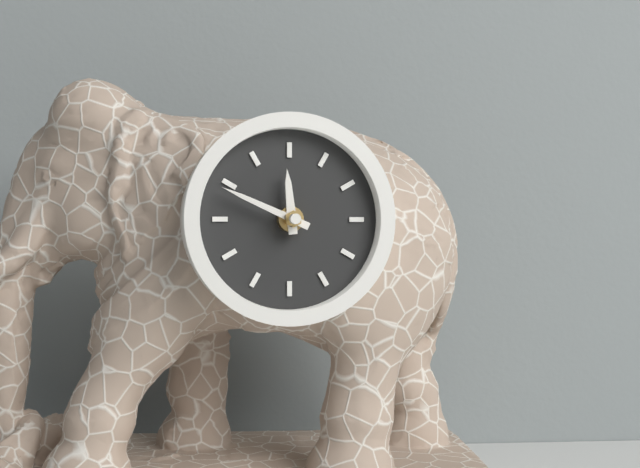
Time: {"hour": 11, "minute": 49}
